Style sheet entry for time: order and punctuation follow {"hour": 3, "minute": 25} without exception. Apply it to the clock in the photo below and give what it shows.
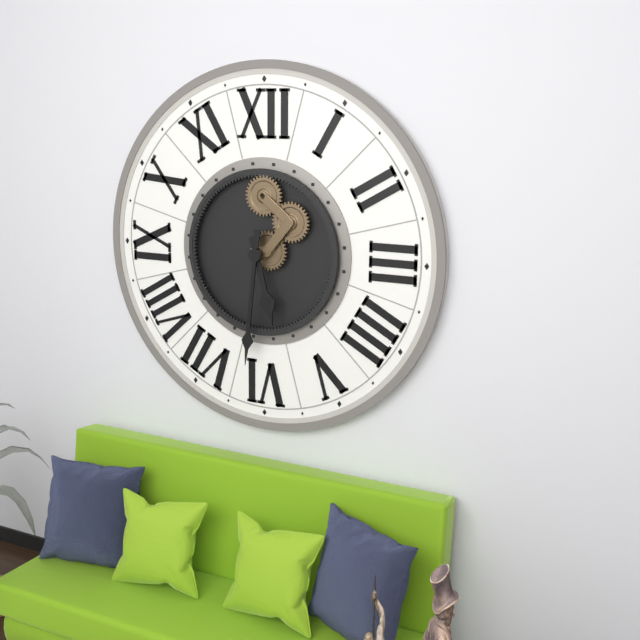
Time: {"hour": 5, "minute": 31}
